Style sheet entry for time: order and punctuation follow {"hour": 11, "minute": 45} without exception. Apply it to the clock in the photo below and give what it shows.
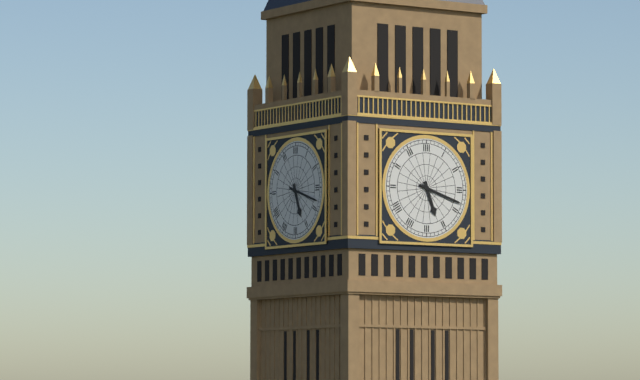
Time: {"hour": 5, "minute": 18}
